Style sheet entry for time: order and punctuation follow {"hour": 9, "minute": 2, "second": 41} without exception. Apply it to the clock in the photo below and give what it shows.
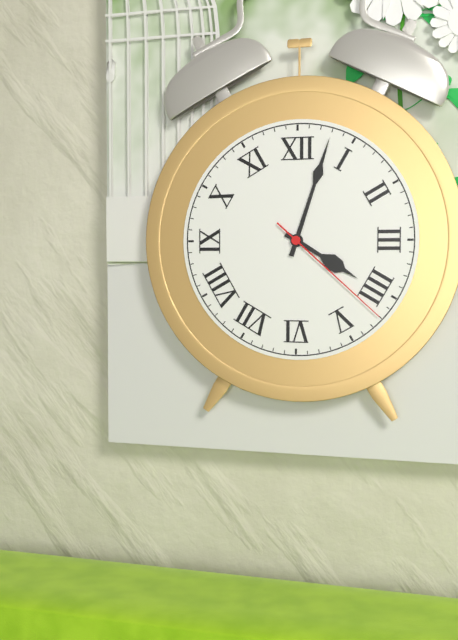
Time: {"hour": 4, "minute": 3, "second": 22}
